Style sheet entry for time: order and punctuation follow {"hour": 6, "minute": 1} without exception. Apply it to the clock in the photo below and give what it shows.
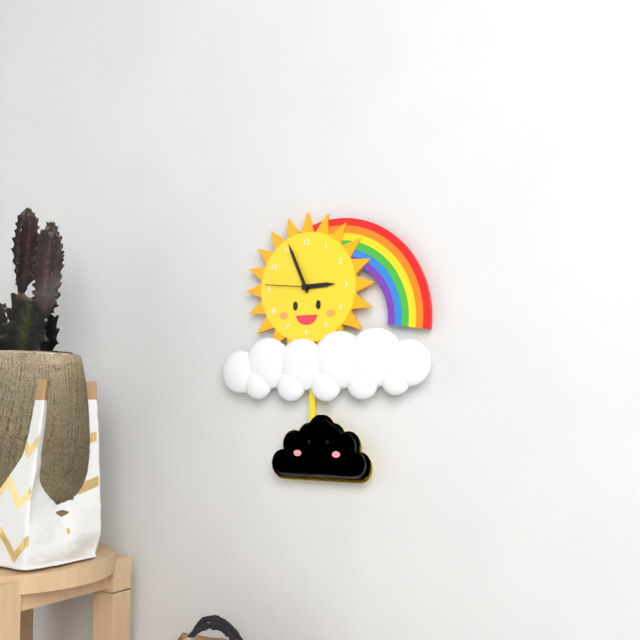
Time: {"hour": 2, "minute": 56}
